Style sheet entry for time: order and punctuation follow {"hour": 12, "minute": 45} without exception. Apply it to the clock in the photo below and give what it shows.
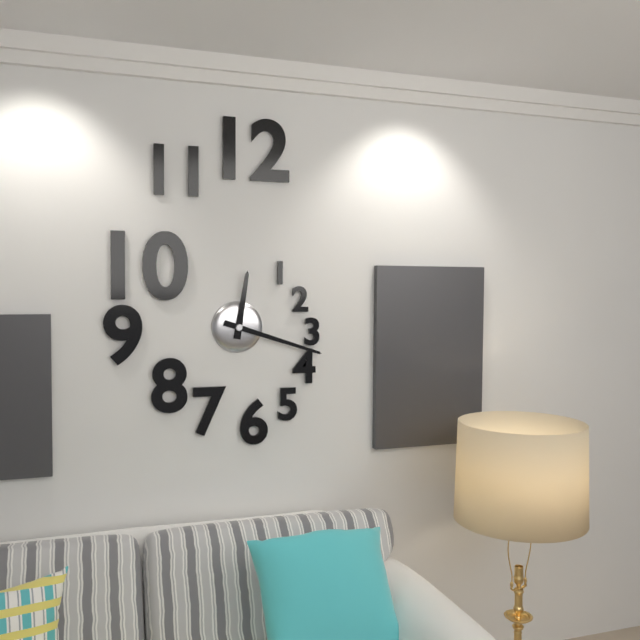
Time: {"hour": 12, "minute": 18}
